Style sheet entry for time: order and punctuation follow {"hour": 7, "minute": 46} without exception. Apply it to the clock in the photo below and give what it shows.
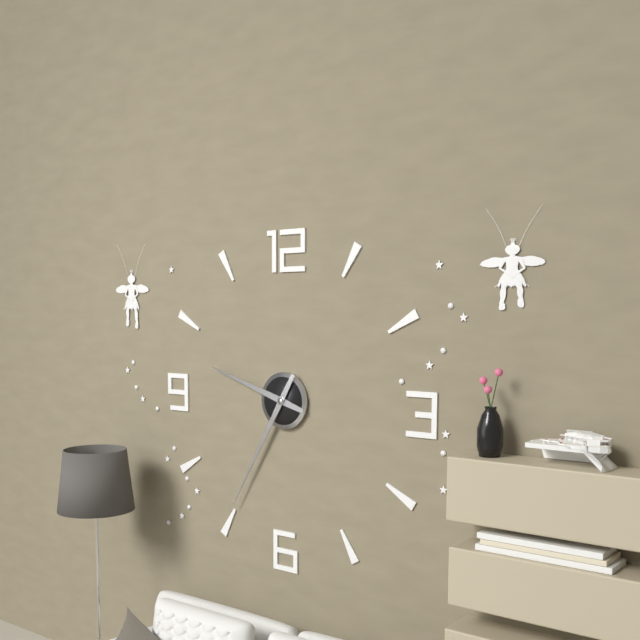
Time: {"hour": 9, "minute": 35}
